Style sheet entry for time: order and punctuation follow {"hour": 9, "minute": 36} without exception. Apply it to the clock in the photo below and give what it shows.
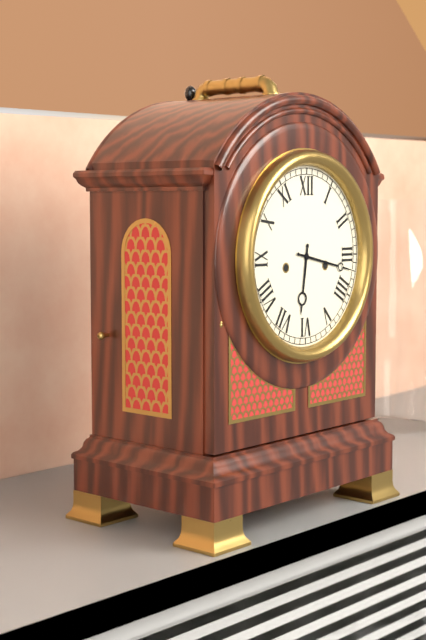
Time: {"hour": 6, "minute": 17}
